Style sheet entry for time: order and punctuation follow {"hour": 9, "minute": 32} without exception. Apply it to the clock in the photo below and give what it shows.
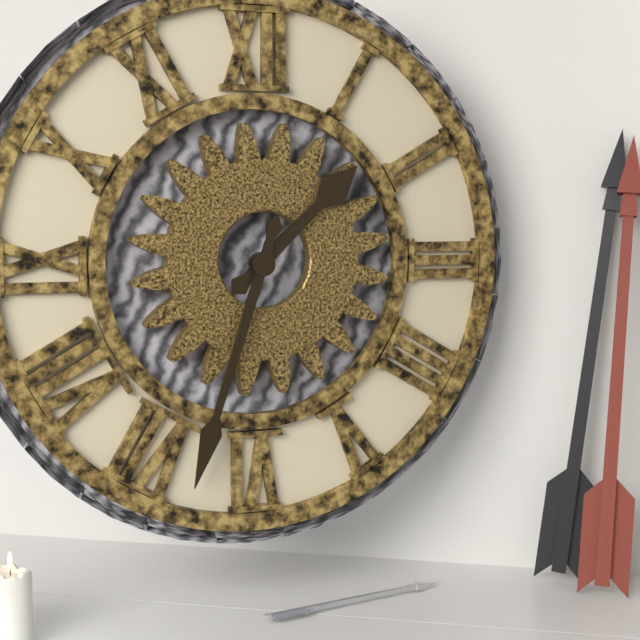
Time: {"hour": 1, "minute": 33}
